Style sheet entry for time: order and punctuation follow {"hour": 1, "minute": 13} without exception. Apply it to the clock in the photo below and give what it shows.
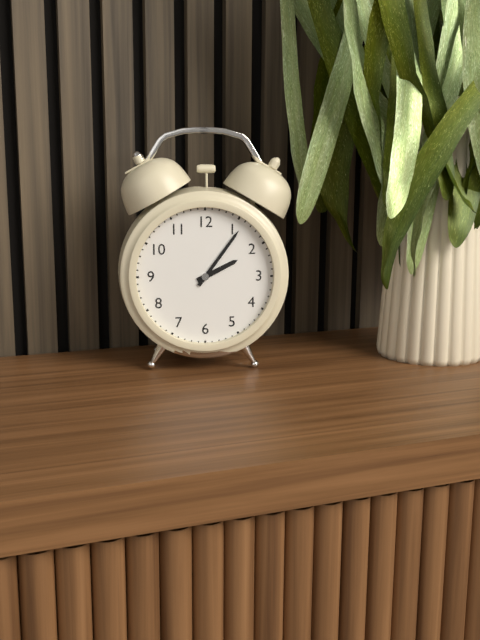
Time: {"hour": 2, "minute": 6}
